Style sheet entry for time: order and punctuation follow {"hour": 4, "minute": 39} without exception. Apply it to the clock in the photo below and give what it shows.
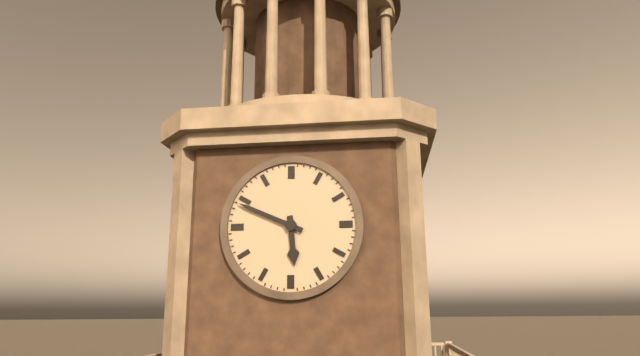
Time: {"hour": 5, "minute": 49}
